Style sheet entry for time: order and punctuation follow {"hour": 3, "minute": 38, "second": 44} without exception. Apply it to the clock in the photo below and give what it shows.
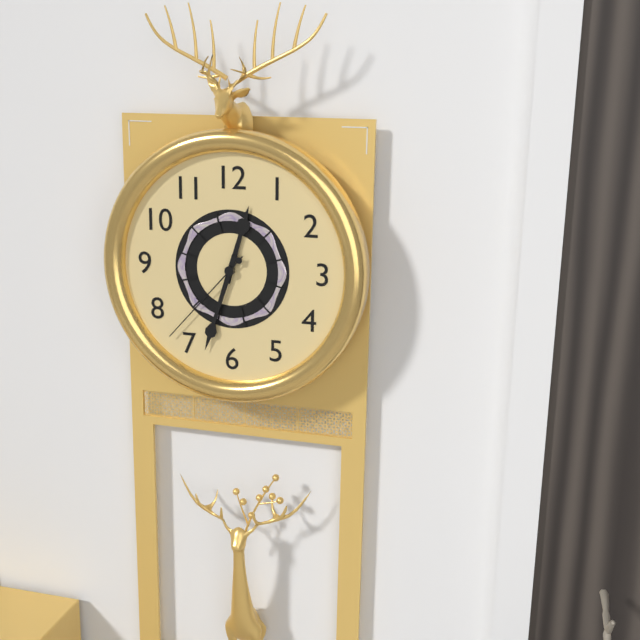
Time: {"hour": 12, "minute": 33, "second": 37}
